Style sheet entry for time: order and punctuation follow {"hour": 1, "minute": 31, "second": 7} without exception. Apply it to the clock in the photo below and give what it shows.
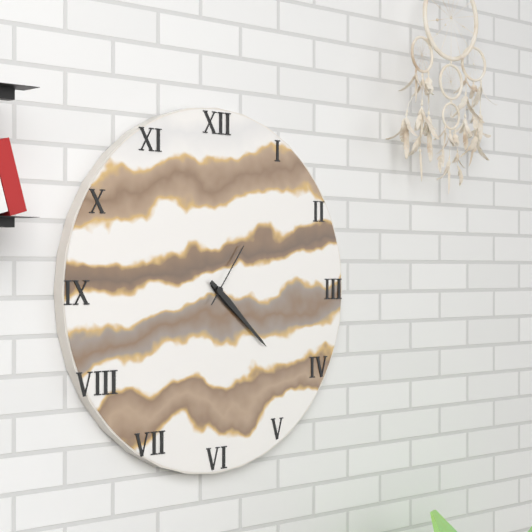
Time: {"hour": 4, "minute": 22, "second": 6}
